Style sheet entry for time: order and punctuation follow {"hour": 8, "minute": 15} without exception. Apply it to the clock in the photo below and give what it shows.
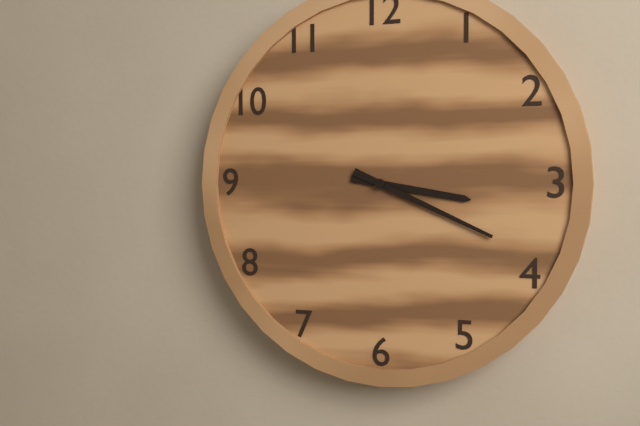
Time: {"hour": 3, "minute": 19}
